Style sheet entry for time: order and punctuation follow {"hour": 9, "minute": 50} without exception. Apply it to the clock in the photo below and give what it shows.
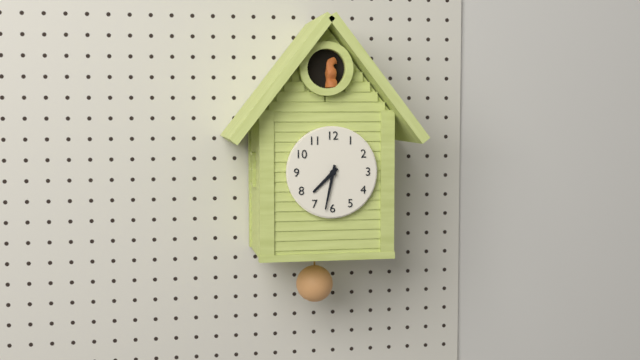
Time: {"hour": 7, "minute": 32}
